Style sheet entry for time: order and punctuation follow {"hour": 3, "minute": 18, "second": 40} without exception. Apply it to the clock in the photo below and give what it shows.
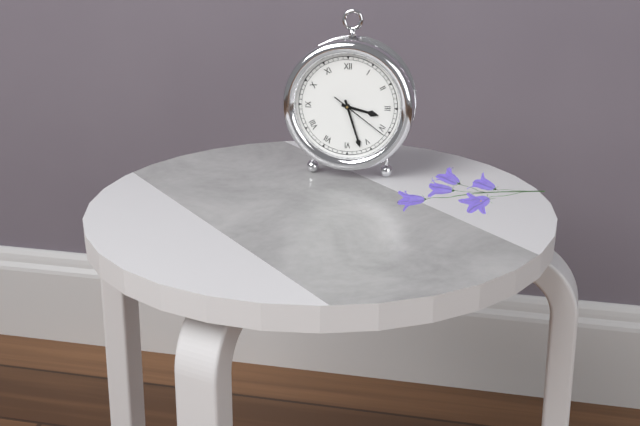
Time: {"hour": 3, "minute": 27, "second": 21}
